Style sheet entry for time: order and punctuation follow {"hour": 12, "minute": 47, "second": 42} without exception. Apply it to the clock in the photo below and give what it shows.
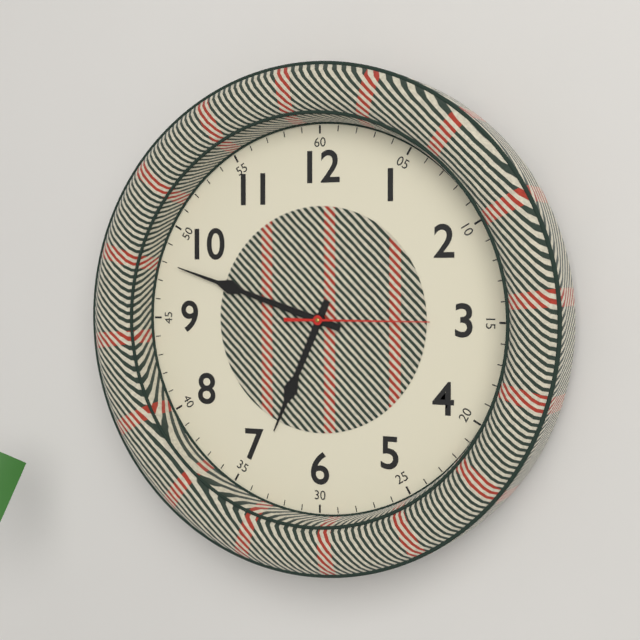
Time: {"hour": 6, "minute": 48, "second": 15}
